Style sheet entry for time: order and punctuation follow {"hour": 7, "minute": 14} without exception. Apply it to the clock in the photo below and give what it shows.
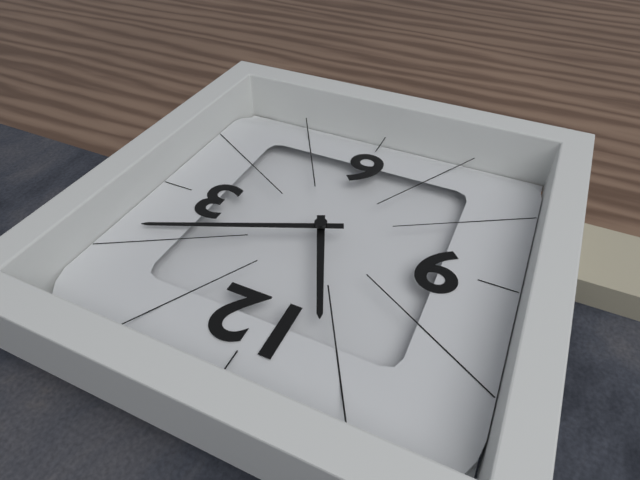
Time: {"hour": 11, "minute": 11}
